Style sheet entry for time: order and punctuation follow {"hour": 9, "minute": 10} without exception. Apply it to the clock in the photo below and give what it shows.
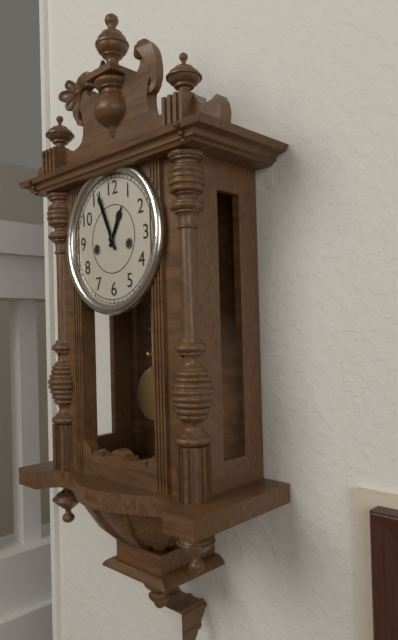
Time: {"hour": 12, "minute": 56}
